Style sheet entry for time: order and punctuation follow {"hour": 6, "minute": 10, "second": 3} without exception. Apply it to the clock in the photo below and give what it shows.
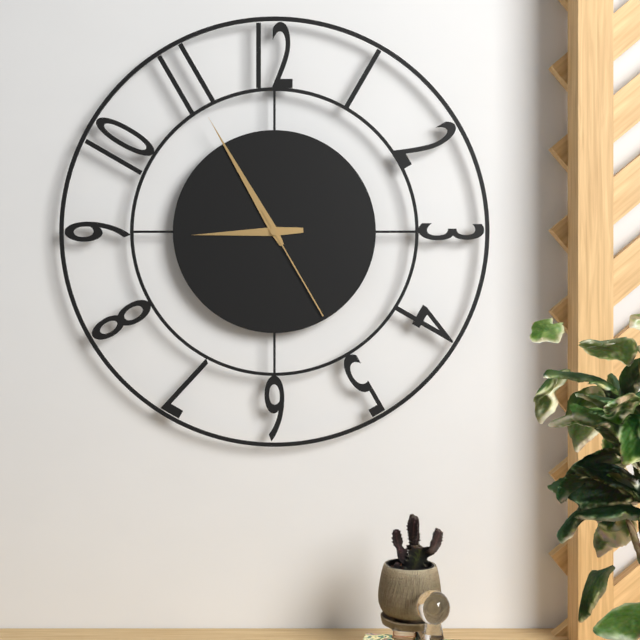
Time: {"hour": 8, "minute": 55, "second": 25}
